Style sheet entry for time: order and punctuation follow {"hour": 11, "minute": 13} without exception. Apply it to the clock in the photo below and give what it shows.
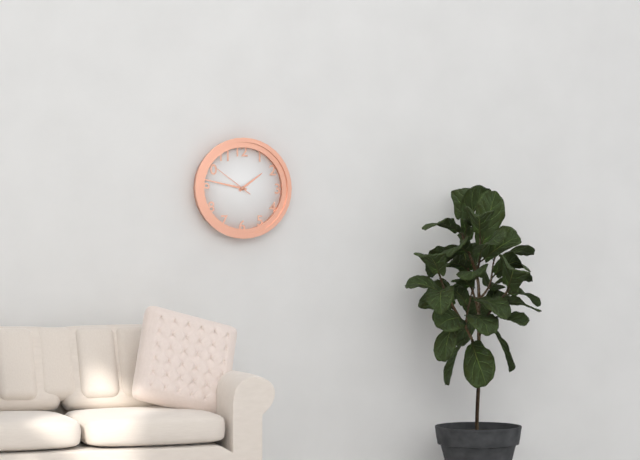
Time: {"hour": 1, "minute": 47}
